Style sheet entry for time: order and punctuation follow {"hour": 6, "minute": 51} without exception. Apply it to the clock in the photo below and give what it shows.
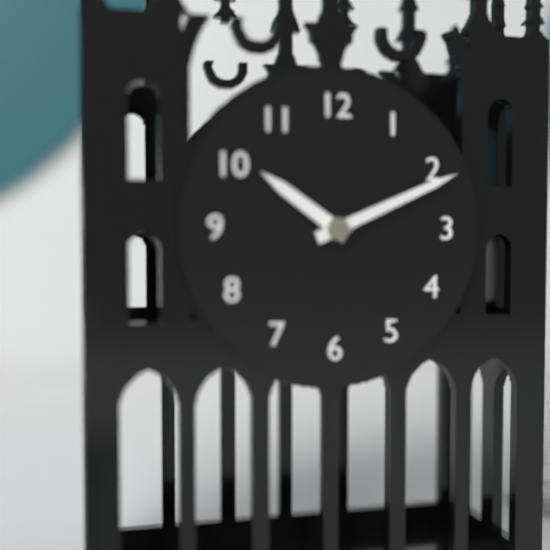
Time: {"hour": 10, "minute": 11}
